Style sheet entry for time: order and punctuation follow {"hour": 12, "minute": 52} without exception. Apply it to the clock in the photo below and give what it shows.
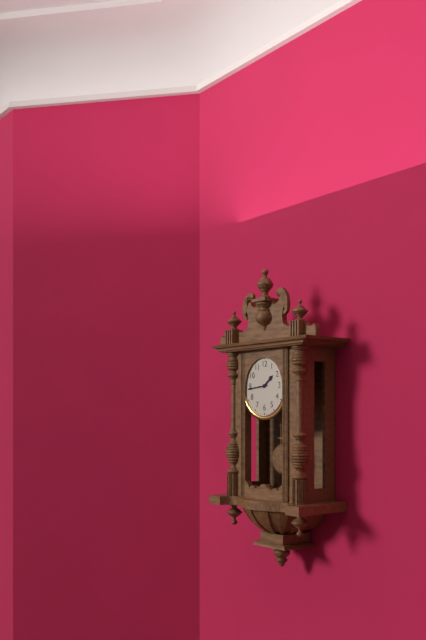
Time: {"hour": 1, "minute": 44}
